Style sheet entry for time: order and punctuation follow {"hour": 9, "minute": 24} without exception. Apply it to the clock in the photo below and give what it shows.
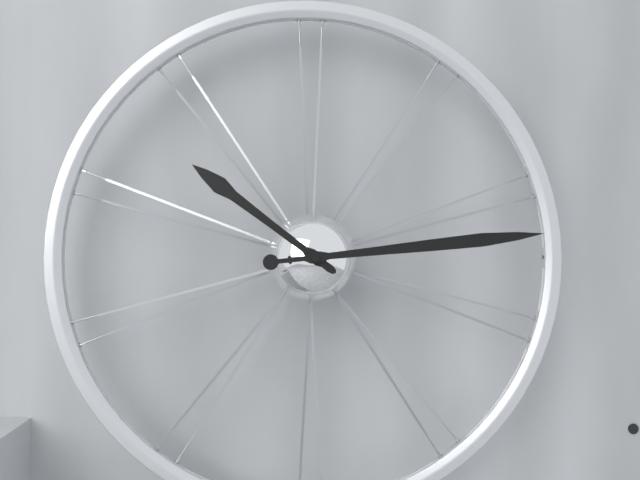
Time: {"hour": 10, "minute": 14}
